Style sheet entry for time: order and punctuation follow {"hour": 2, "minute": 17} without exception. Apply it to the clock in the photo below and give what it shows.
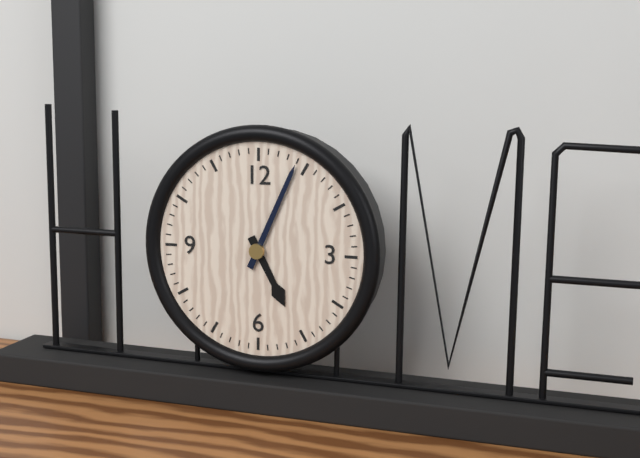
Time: {"hour": 5, "minute": 4}
